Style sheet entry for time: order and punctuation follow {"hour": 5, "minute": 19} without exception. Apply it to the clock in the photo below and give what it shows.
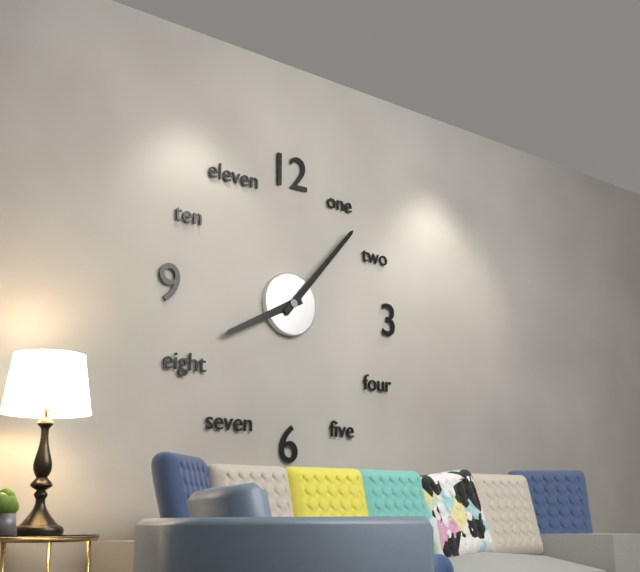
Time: {"hour": 8, "minute": 7}
